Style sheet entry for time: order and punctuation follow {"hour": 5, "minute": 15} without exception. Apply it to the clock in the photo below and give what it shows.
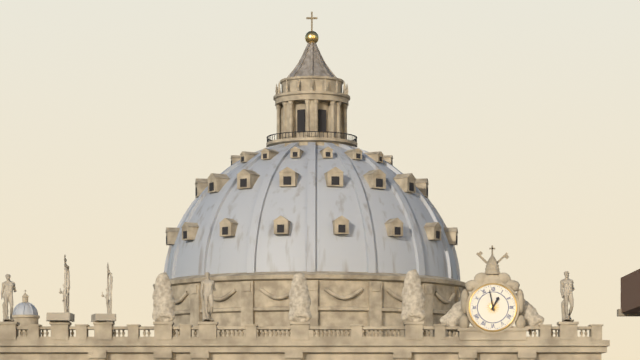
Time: {"hour": 12, "minute": 58}
